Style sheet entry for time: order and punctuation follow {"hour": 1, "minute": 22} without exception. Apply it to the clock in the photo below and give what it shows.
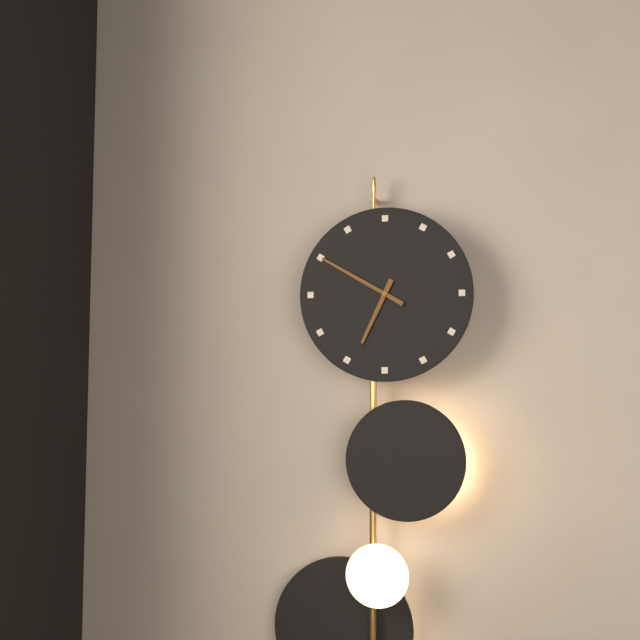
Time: {"hour": 6, "minute": 50}
